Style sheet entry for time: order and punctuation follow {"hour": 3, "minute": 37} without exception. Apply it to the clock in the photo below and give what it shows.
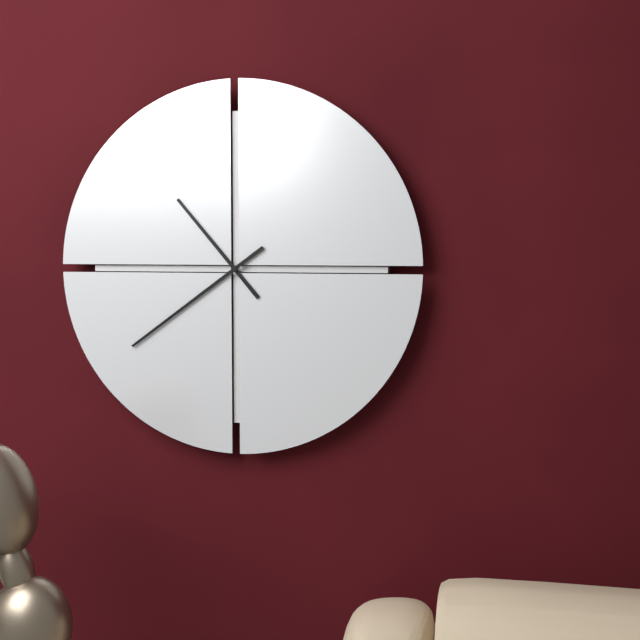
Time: {"hour": 10, "minute": 39}
